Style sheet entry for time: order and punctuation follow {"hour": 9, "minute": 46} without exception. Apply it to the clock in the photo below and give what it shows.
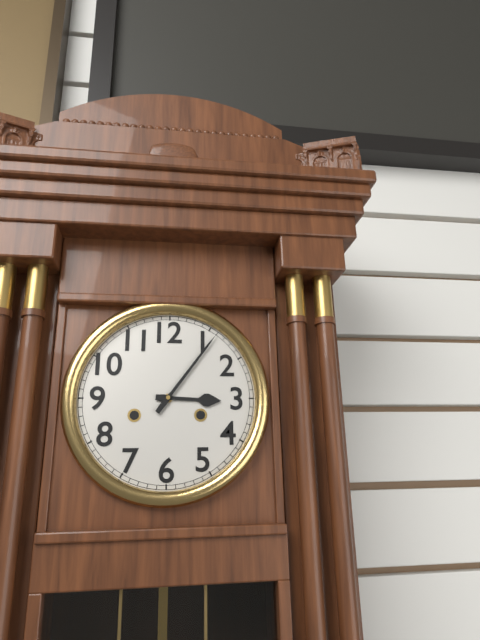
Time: {"hour": 3, "minute": 6}
